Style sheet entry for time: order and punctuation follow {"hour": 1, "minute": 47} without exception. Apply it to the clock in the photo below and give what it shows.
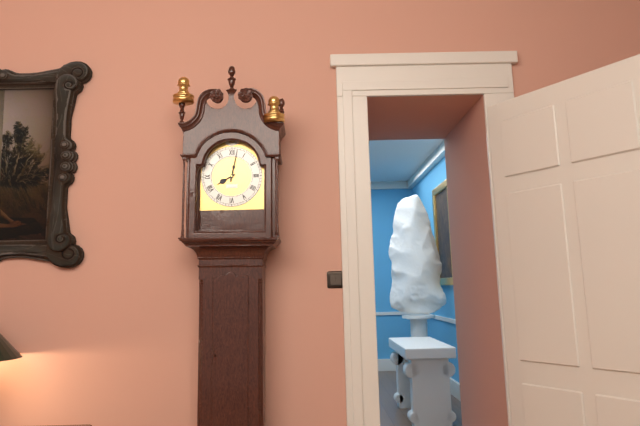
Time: {"hour": 8, "minute": 2}
